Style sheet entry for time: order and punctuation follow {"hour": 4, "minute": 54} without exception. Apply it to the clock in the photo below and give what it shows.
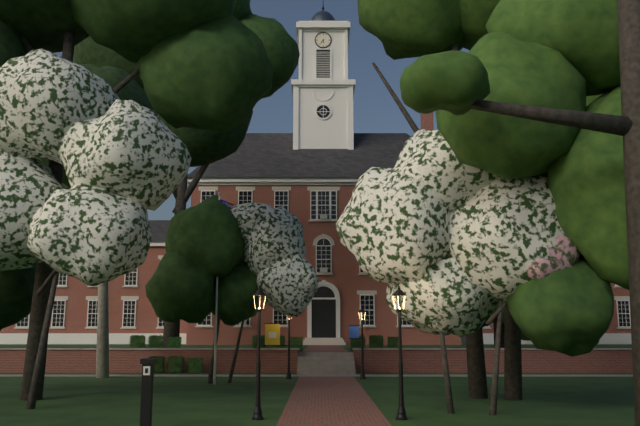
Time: {"hour": 5, "minute": 36}
